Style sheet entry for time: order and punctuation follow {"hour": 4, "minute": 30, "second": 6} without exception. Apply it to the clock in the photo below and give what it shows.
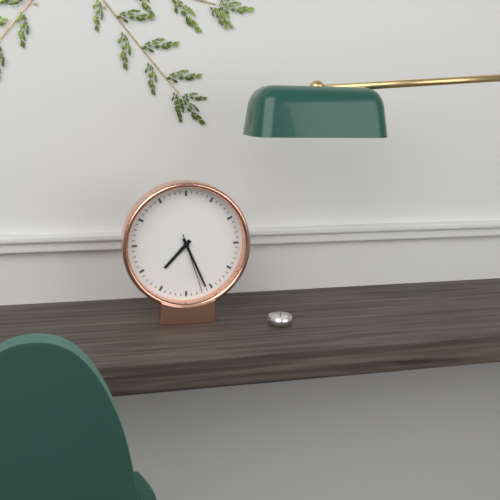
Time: {"hour": 7, "minute": 26, "second": 27}
